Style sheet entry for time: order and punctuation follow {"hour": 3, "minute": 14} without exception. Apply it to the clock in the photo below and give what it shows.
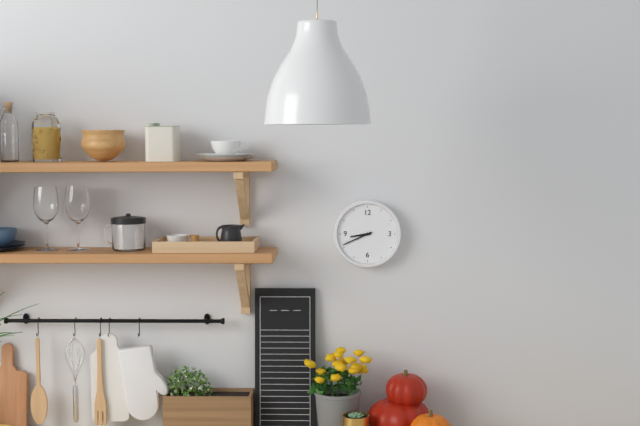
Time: {"hour": 8, "minute": 41}
